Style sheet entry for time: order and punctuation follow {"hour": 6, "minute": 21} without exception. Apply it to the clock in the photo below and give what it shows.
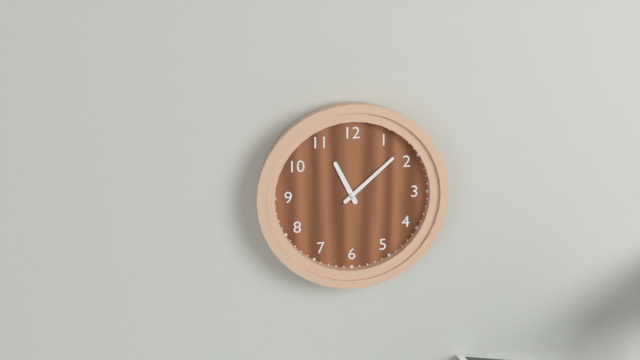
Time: {"hour": 11, "minute": 8}
